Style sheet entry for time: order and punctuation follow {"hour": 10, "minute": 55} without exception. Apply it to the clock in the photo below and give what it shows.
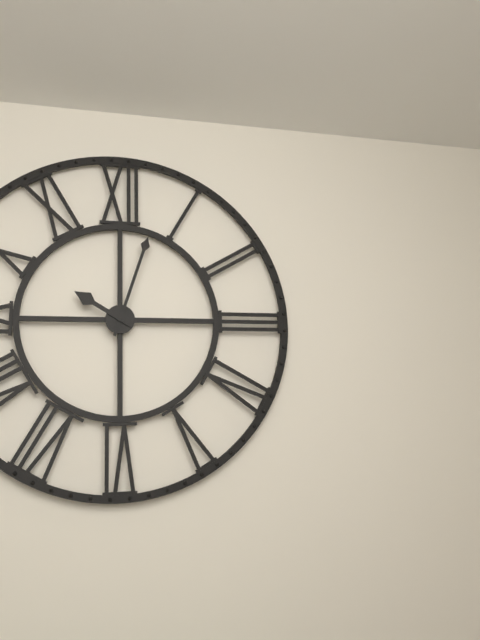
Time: {"hour": 10, "minute": 3}
